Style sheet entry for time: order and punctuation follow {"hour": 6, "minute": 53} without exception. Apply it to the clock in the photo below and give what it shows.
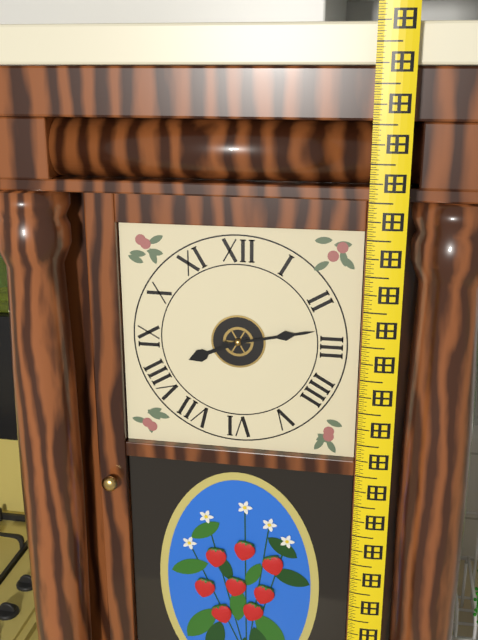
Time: {"hour": 8, "minute": 13}
